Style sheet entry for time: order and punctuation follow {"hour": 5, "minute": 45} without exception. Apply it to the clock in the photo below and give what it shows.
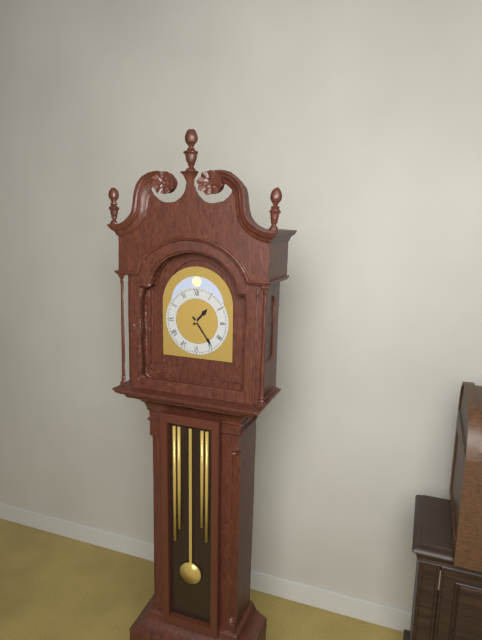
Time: {"hour": 1, "minute": 24}
